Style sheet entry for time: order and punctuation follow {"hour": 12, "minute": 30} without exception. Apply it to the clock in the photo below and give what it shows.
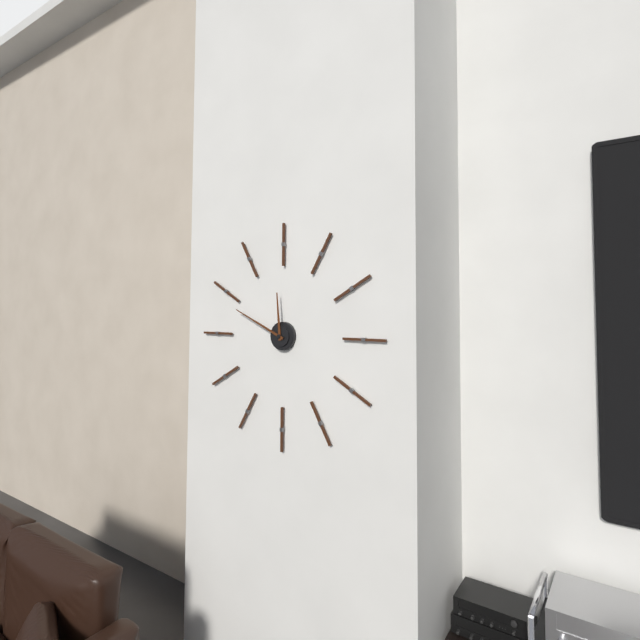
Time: {"hour": 11, "minute": 49}
